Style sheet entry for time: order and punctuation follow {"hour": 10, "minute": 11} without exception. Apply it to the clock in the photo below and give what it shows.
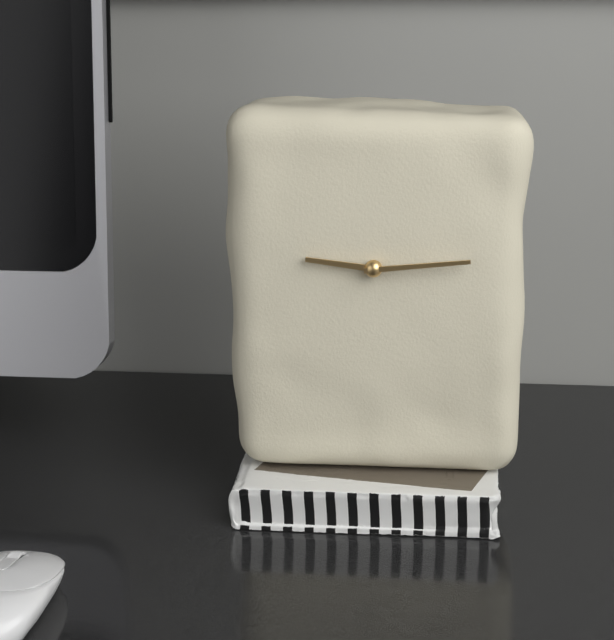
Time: {"hour": 9, "minute": 14}
